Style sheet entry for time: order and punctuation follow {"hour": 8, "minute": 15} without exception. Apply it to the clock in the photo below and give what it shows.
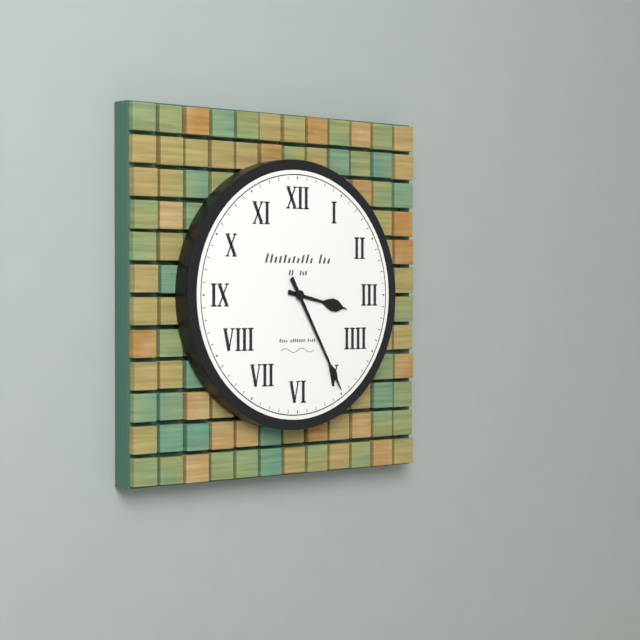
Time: {"hour": 3, "minute": 25}
